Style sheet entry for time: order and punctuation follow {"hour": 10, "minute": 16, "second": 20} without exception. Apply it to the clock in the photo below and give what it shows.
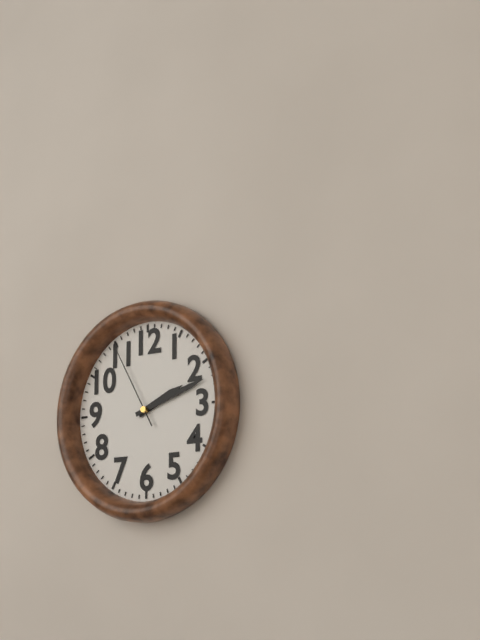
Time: {"hour": 2, "minute": 12, "second": 55}
